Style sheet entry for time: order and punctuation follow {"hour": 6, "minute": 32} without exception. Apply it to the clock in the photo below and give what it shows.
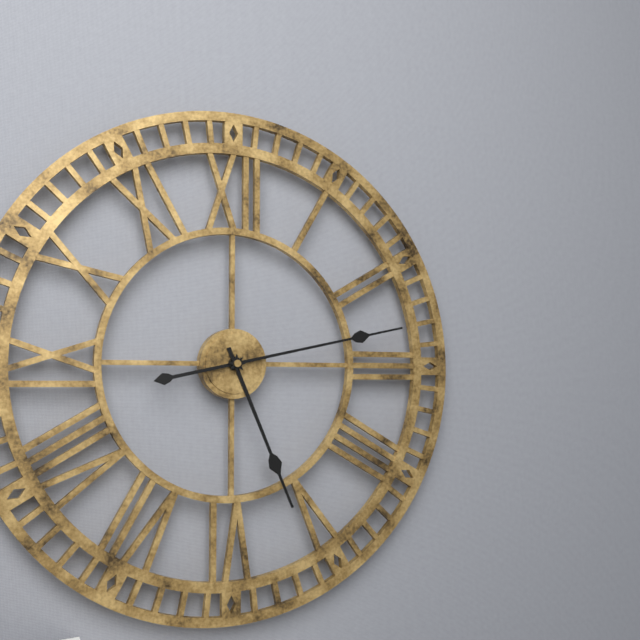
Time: {"hour": 5, "minute": 13}
